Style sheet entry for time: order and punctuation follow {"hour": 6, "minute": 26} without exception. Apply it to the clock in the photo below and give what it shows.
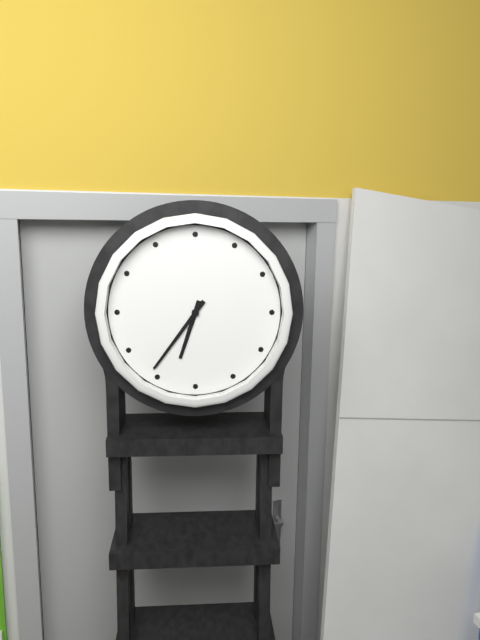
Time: {"hour": 6, "minute": 36}
